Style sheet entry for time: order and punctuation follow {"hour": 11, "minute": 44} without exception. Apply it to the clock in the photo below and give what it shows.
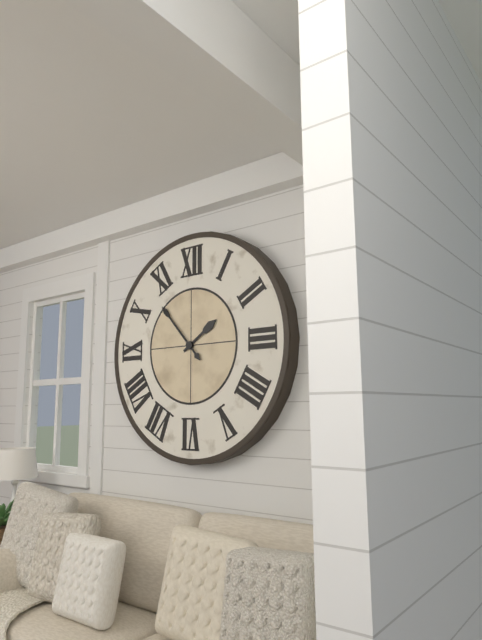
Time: {"hour": 1, "minute": 53}
